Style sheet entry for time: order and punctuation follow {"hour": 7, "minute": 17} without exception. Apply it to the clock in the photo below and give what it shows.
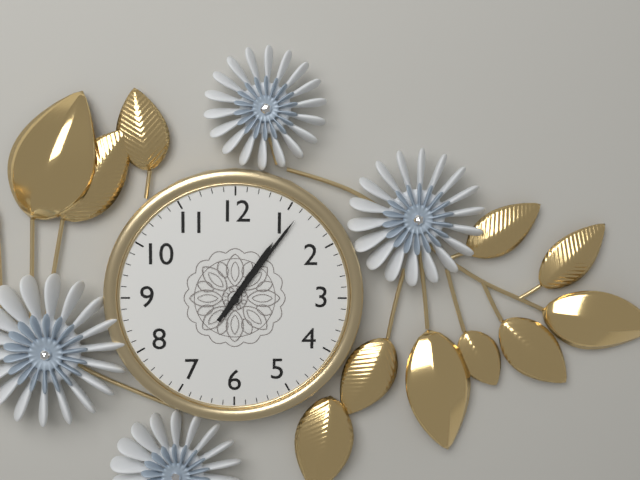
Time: {"hour": 1, "minute": 6}
